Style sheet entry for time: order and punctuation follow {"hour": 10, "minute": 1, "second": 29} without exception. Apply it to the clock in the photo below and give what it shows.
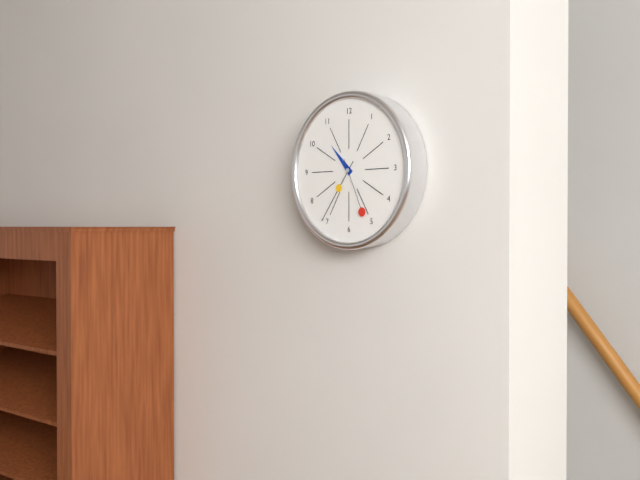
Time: {"hour": 10, "minute": 36, "second": 26}
